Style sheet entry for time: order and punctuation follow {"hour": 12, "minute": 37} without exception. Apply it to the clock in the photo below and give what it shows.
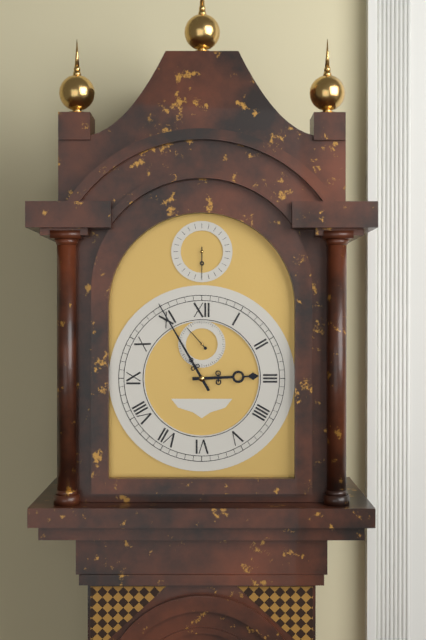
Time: {"hour": 2, "minute": 55}
